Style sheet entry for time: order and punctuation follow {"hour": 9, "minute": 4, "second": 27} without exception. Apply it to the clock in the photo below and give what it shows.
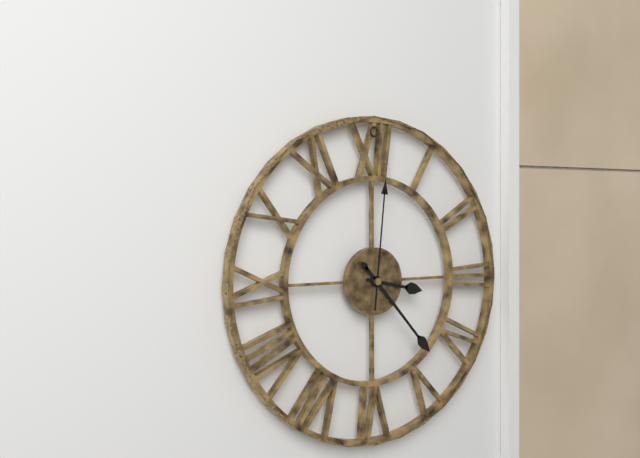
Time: {"hour": 3, "minute": 23, "second": 1}
